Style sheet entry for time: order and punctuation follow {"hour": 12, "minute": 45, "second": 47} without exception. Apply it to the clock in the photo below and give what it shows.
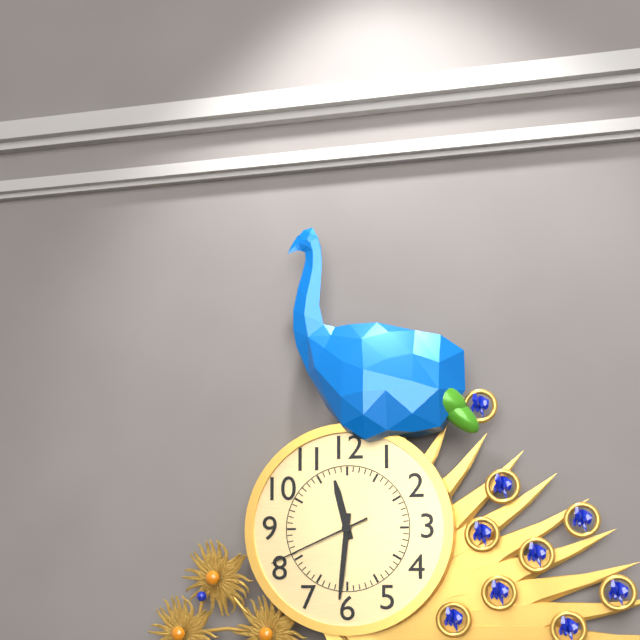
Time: {"hour": 11, "minute": 31, "second": 41}
